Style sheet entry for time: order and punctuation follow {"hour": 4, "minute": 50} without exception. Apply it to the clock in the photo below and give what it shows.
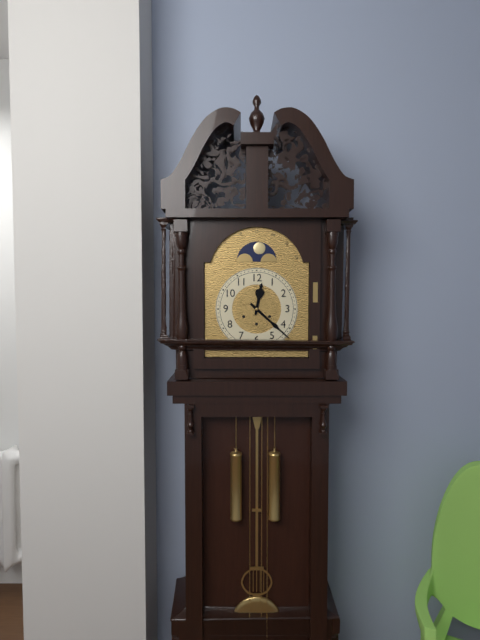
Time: {"hour": 12, "minute": 22}
